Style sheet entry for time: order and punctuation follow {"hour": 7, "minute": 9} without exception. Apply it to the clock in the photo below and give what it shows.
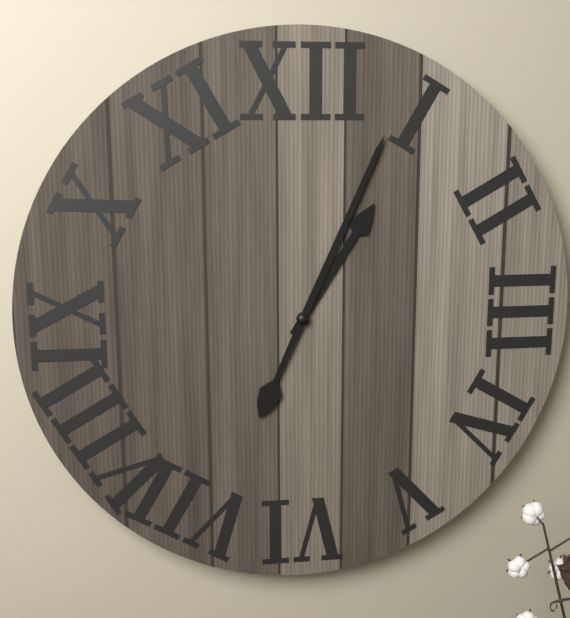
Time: {"hour": 1, "minute": 4}
